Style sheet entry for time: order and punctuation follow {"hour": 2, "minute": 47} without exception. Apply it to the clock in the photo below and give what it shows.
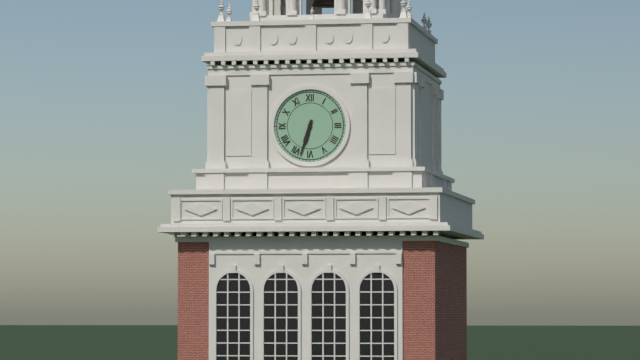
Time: {"hour": 6, "minute": 33}
